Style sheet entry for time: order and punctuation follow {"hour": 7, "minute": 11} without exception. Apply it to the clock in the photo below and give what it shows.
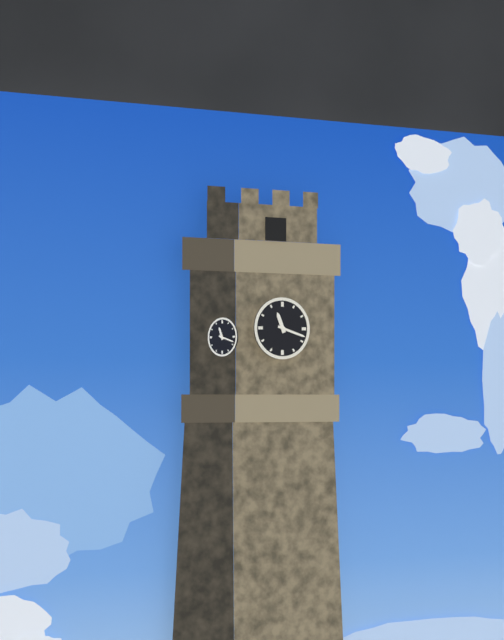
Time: {"hour": 11, "minute": 18}
